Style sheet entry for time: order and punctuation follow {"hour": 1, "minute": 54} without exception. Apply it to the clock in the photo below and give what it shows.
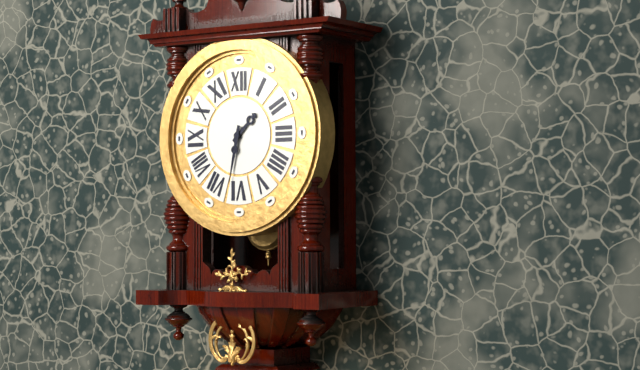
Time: {"hour": 1, "minute": 32}
